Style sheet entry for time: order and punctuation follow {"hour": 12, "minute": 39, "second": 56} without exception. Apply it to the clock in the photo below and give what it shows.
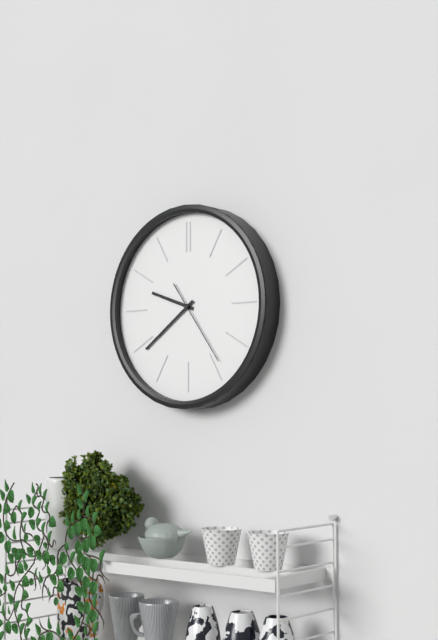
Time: {"hour": 9, "minute": 39, "second": 24}
